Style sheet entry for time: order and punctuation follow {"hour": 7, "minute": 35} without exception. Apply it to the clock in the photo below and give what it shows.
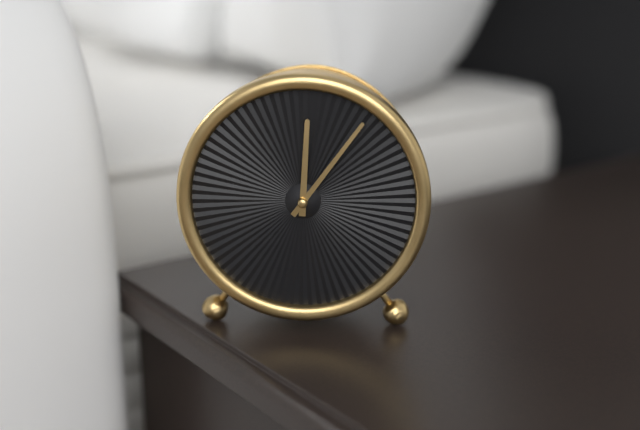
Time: {"hour": 12, "minute": 6}
